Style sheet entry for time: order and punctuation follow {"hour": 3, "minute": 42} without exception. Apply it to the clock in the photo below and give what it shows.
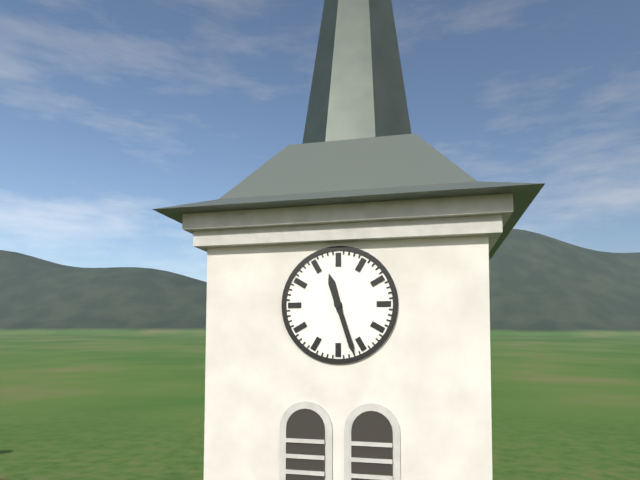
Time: {"hour": 11, "minute": 27}
